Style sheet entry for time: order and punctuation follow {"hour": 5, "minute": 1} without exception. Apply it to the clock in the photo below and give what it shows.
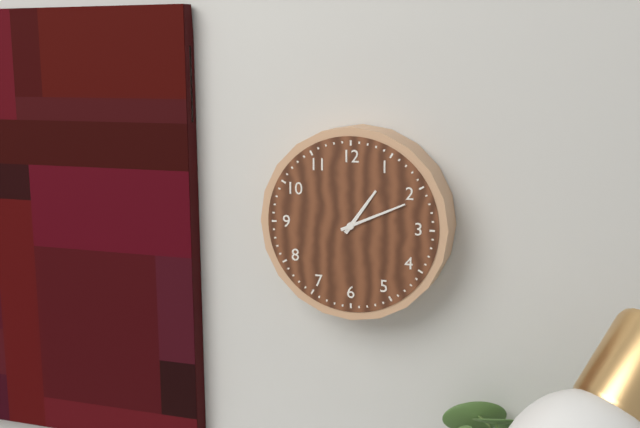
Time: {"hour": 1, "minute": 11}
